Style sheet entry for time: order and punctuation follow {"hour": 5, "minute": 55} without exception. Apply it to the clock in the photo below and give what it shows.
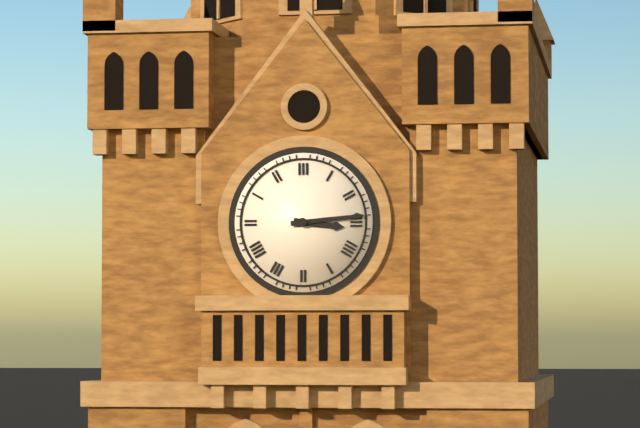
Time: {"hour": 3, "minute": 14}
